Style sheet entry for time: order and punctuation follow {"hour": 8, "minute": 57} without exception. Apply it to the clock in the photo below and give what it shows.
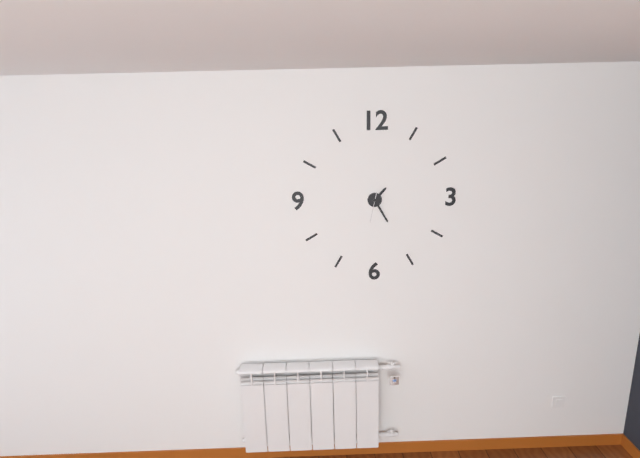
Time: {"hour": 1, "minute": 25}
